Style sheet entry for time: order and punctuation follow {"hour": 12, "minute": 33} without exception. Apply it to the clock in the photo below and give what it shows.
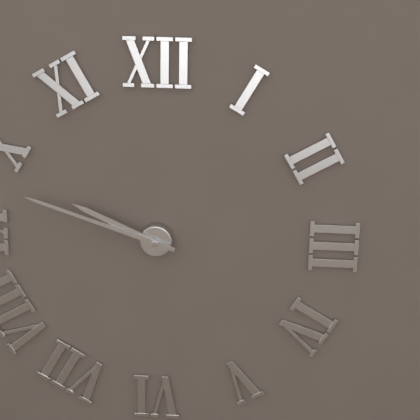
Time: {"hour": 9, "minute": 48}
